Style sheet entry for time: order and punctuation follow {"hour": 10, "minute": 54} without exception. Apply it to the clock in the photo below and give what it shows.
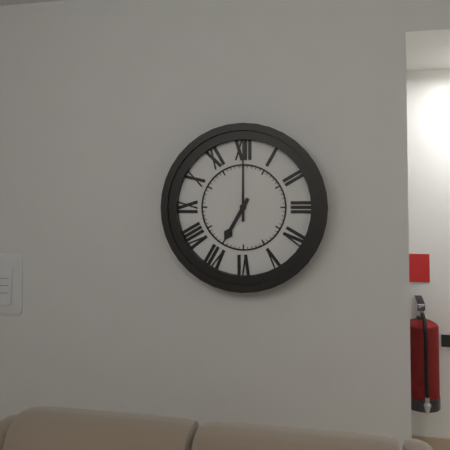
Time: {"hour": 7, "minute": 0}
